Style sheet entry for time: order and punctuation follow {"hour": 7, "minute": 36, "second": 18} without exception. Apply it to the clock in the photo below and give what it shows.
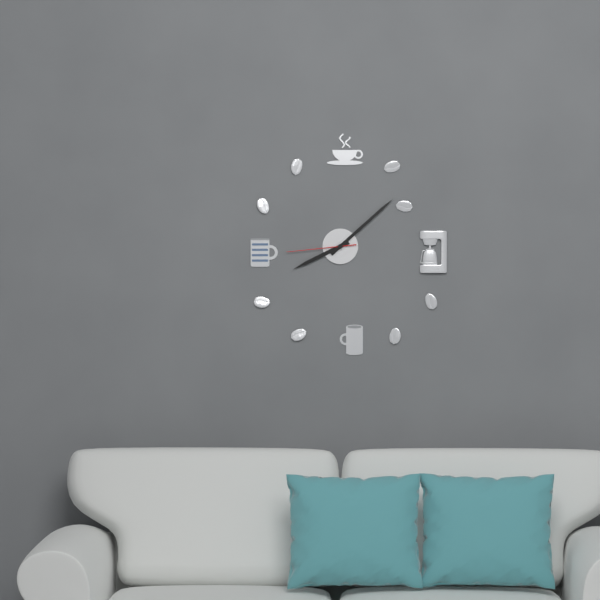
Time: {"hour": 8, "minute": 8, "second": 44}
